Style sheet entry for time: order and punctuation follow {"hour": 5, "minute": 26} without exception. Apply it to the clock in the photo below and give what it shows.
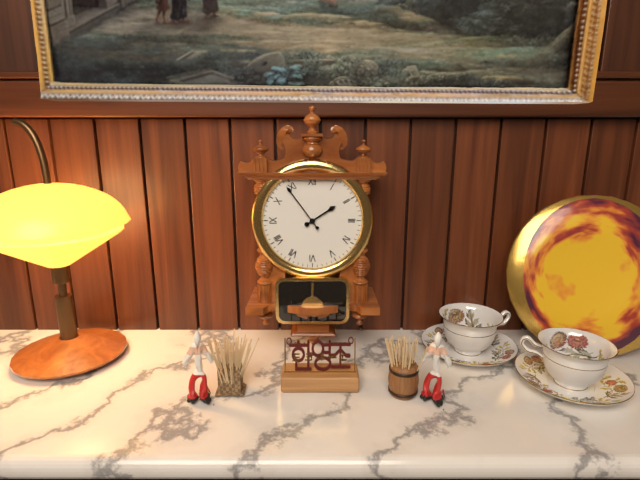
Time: {"hour": 1, "minute": 54}
